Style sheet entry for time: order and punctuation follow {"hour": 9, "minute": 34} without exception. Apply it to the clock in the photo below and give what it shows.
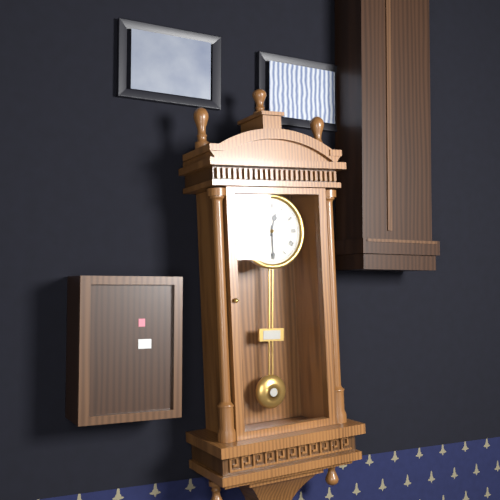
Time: {"hour": 12, "minute": 30}
